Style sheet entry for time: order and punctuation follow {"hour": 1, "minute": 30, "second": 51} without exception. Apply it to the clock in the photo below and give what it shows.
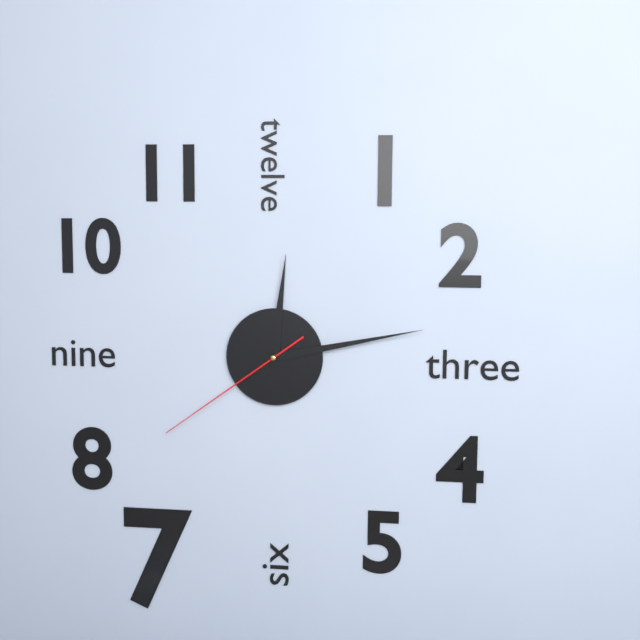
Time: {"hour": 12, "minute": 13, "second": 39}
